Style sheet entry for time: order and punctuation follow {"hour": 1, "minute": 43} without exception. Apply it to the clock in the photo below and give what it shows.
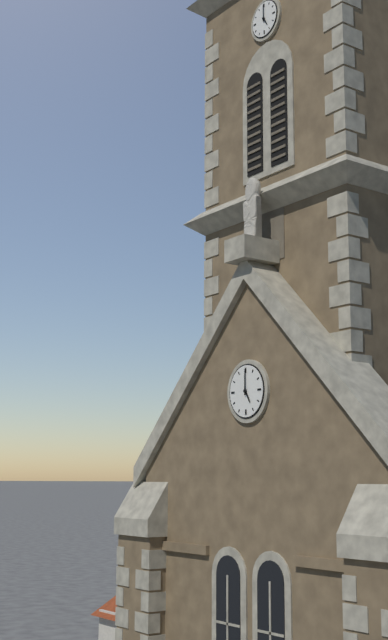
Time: {"hour": 5, "minute": 0}
